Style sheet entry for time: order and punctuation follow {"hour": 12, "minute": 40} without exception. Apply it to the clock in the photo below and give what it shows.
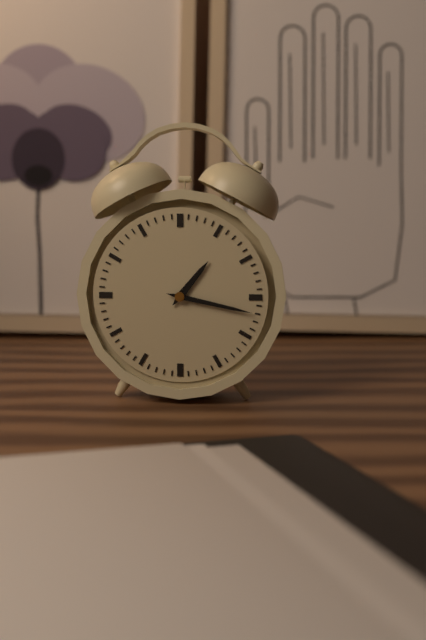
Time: {"hour": 1, "minute": 17}
